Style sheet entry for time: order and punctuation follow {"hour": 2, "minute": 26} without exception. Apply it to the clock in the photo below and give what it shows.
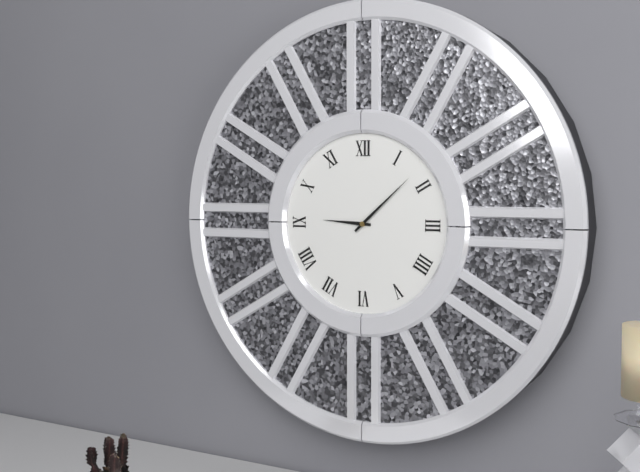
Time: {"hour": 9, "minute": 8}
